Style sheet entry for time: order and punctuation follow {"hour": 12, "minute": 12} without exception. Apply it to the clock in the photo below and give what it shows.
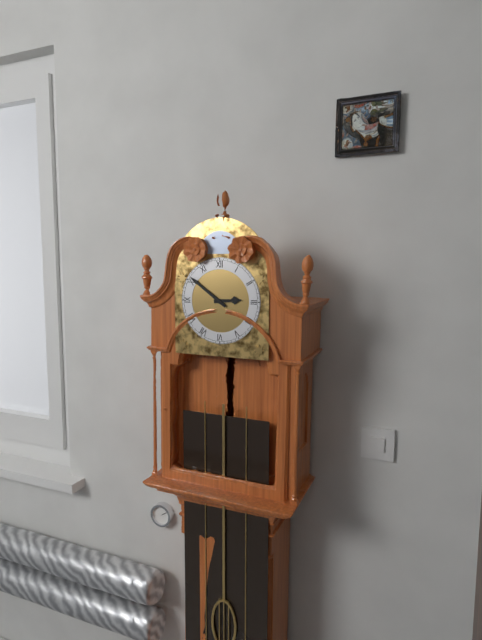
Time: {"hour": 2, "minute": 51}
